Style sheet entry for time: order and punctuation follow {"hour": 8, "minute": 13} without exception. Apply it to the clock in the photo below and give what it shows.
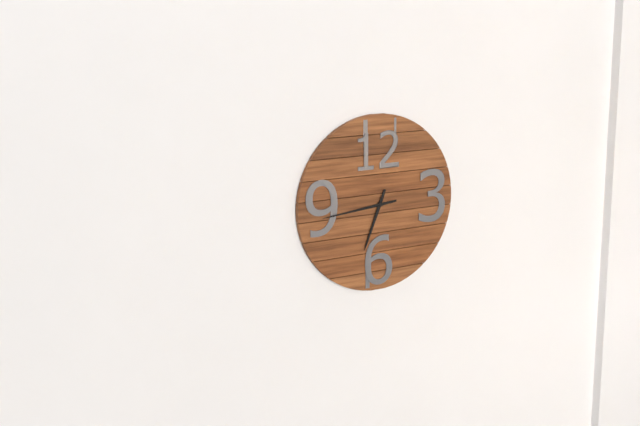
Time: {"hour": 6, "minute": 44}
